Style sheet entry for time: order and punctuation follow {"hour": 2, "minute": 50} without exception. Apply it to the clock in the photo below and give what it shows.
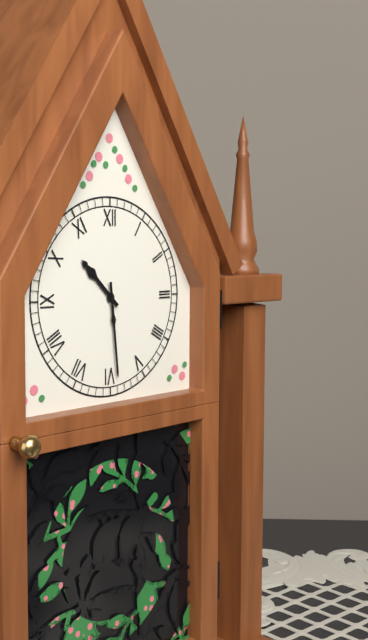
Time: {"hour": 10, "minute": 29}
